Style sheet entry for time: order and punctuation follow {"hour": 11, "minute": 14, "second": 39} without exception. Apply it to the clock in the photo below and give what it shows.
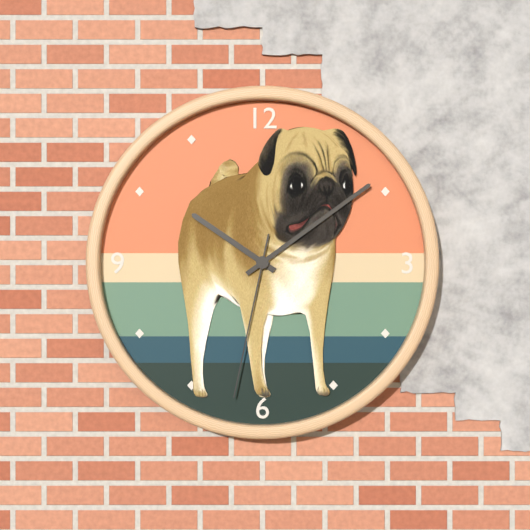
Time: {"hour": 10, "minute": 9, "second": 32}
